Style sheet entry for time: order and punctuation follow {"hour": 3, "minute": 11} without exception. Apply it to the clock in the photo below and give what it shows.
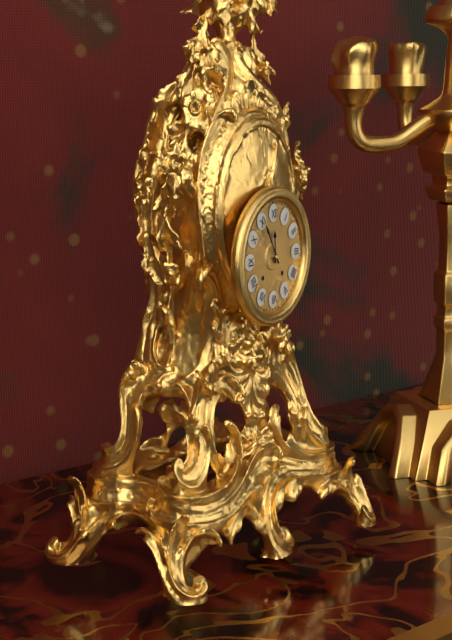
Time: {"hour": 11, "minute": 55}
